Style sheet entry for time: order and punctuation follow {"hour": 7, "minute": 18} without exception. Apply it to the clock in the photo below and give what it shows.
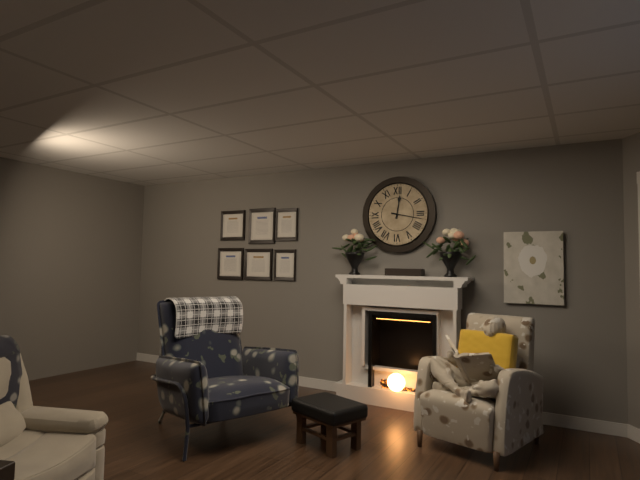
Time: {"hour": 12, "minute": 17}
